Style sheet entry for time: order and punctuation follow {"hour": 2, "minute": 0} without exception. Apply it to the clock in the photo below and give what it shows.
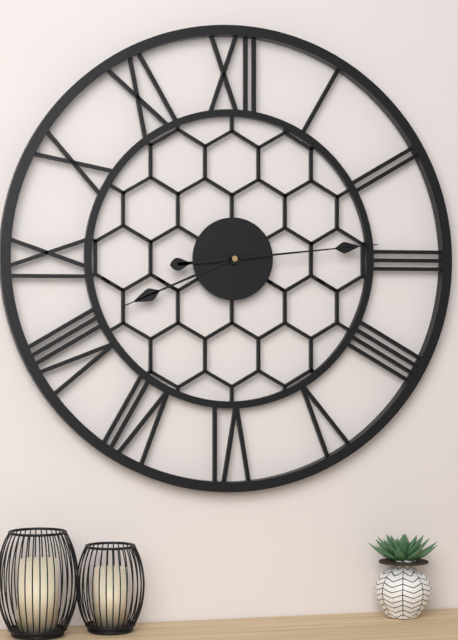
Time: {"hour": 8, "minute": 14}
